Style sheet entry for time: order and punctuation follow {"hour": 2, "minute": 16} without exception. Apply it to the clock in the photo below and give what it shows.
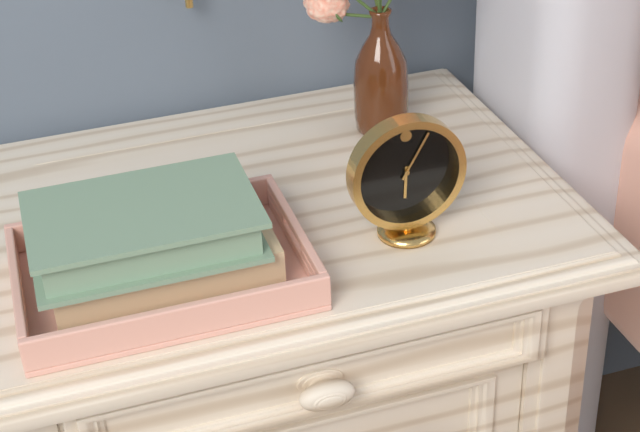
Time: {"hour": 6, "minute": 5}
